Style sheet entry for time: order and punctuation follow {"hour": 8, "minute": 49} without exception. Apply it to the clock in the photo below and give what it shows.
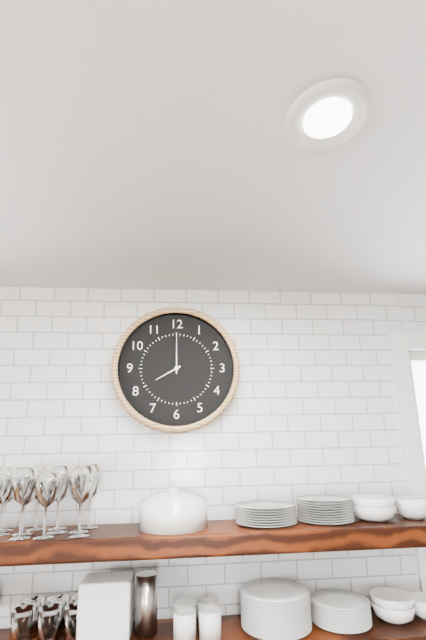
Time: {"hour": 8, "minute": 0}
